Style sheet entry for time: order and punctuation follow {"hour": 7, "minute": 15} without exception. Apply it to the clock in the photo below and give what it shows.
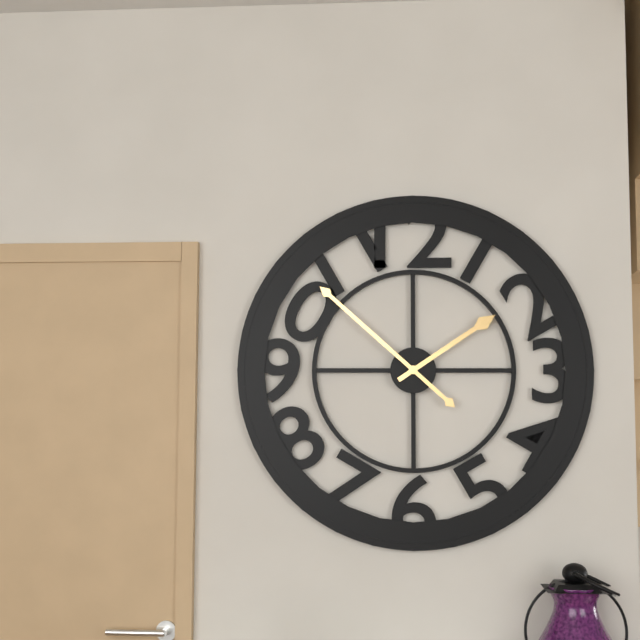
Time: {"hour": 1, "minute": 52}
